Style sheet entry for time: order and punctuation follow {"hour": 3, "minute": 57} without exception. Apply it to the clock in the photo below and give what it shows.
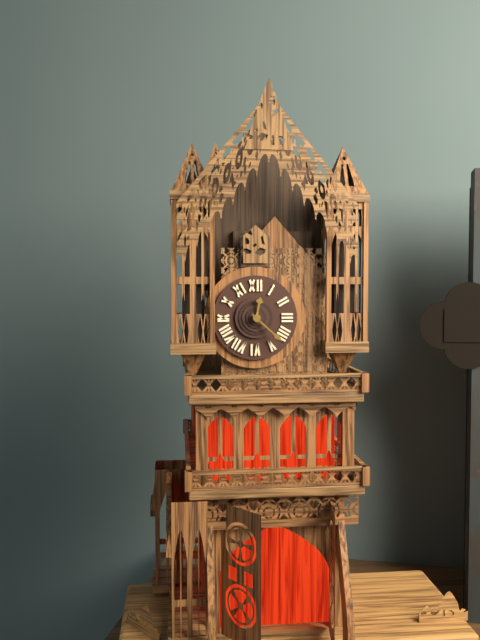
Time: {"hour": 12, "minute": 22}
